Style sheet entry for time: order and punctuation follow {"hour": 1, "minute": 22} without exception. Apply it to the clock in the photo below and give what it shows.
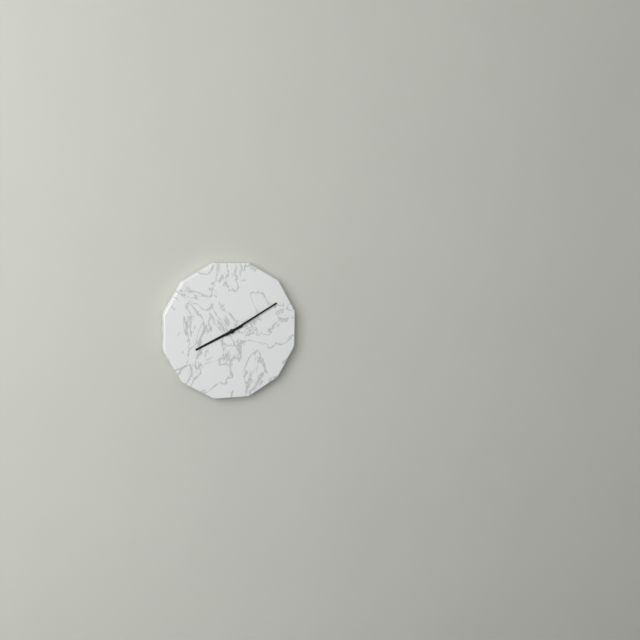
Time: {"hour": 8, "minute": 10}
